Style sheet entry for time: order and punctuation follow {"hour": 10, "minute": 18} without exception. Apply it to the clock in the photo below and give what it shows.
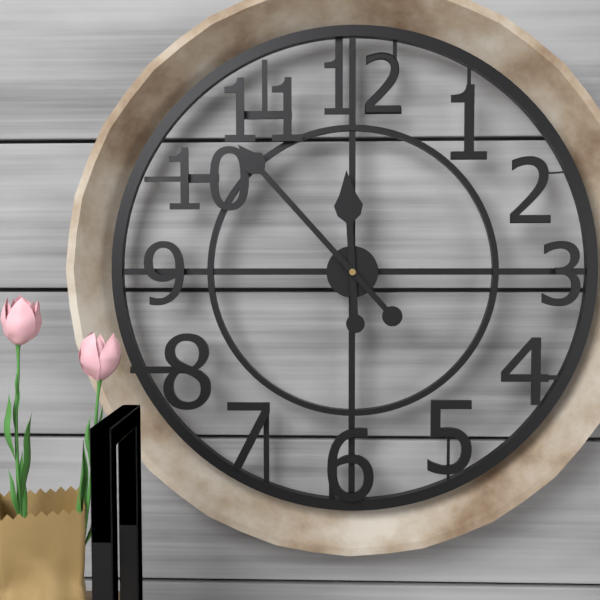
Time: {"hour": 11, "minute": 53}
